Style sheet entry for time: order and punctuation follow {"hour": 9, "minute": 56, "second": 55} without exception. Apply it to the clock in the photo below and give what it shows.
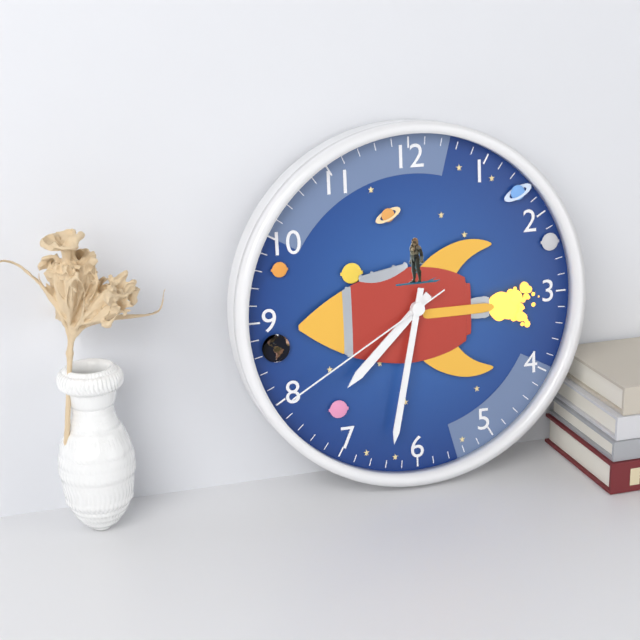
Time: {"hour": 7, "minute": 32, "second": 40}
